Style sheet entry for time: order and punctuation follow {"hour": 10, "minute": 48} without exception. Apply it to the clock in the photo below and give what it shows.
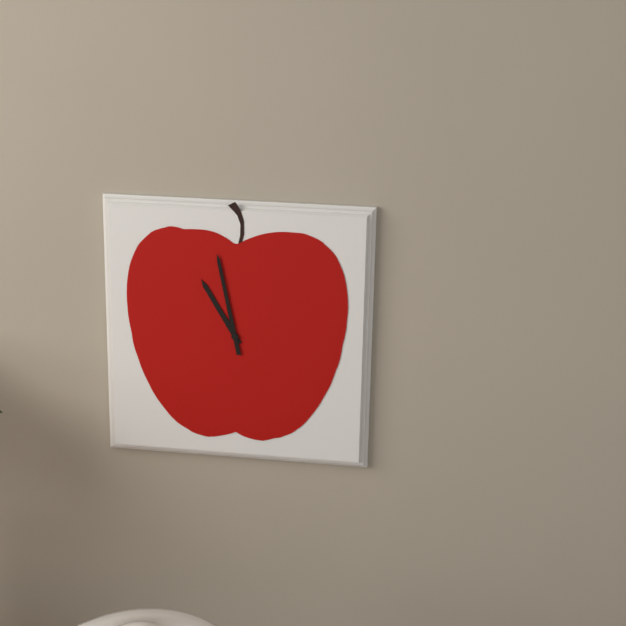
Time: {"hour": 10, "minute": 58}
